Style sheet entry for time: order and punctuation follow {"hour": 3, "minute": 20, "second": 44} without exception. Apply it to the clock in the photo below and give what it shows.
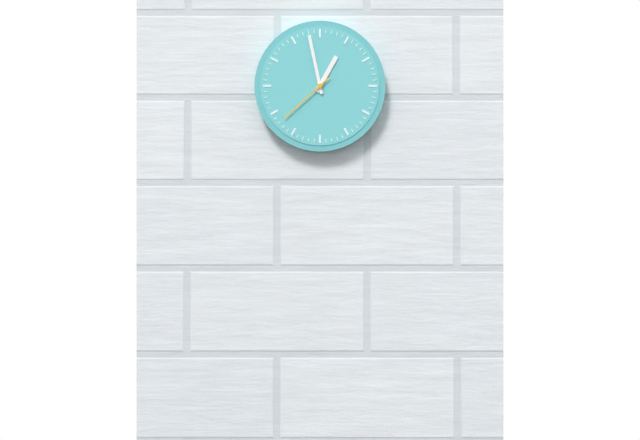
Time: {"hour": 12, "minute": 58, "second": 38}
